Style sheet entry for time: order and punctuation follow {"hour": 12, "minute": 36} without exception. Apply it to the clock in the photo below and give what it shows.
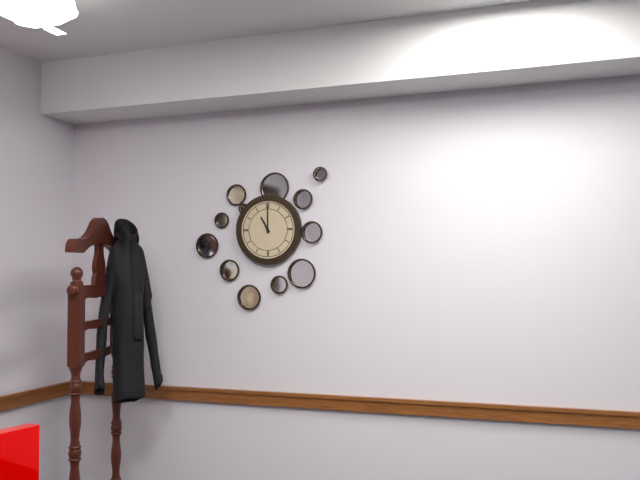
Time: {"hour": 11, "minute": 0}
